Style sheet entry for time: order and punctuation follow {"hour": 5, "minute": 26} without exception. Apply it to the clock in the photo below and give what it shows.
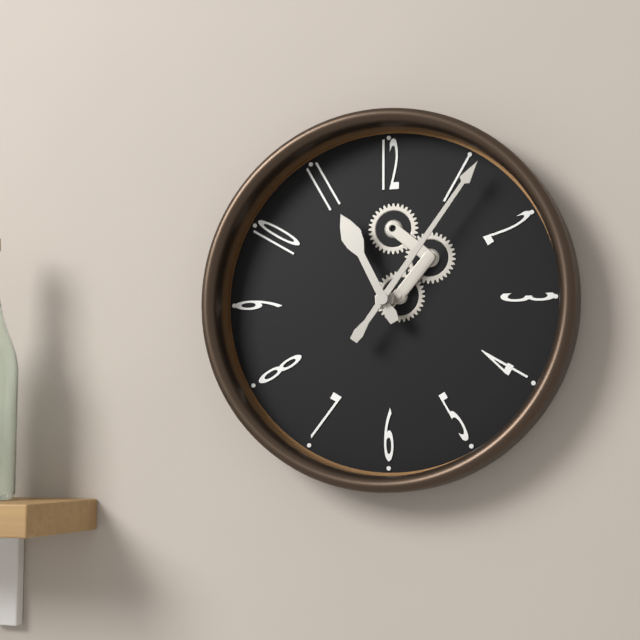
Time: {"hour": 11, "minute": 6}
